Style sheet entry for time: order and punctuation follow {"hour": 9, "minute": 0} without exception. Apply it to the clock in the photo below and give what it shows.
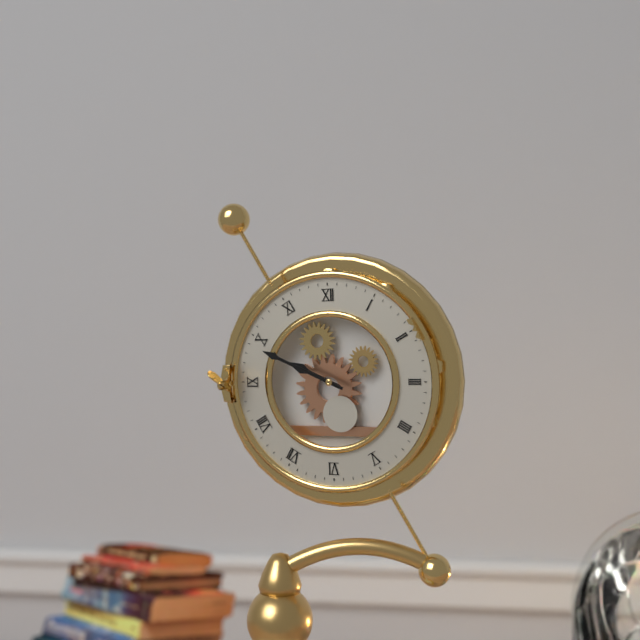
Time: {"hour": 9, "minute": 49}
